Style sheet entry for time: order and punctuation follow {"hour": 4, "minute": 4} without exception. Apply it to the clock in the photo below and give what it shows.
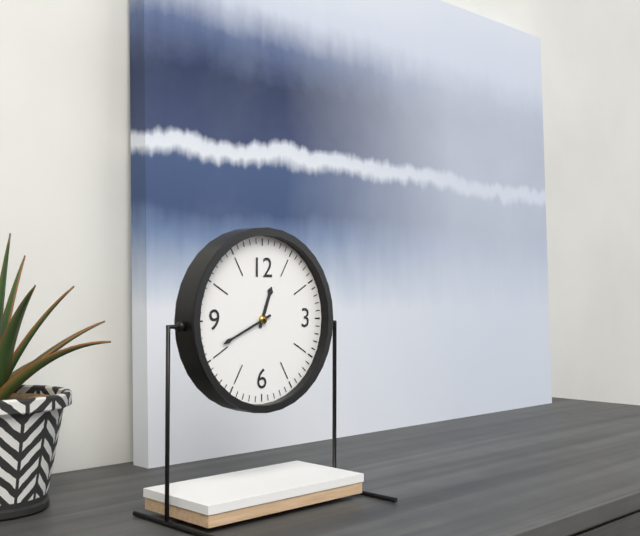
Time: {"hour": 12, "minute": 41}
